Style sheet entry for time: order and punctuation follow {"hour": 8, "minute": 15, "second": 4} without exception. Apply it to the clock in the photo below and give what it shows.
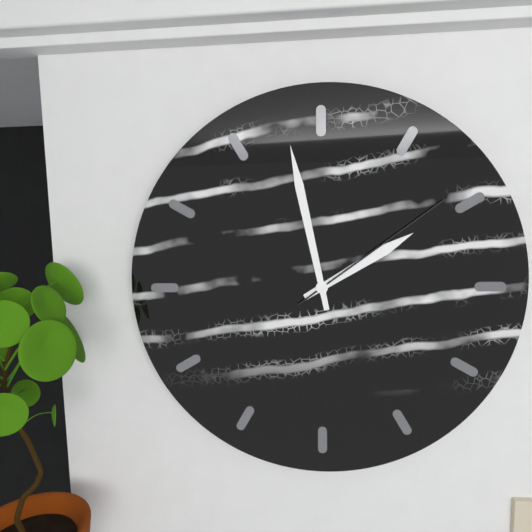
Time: {"hour": 1, "minute": 58, "second": 9}
